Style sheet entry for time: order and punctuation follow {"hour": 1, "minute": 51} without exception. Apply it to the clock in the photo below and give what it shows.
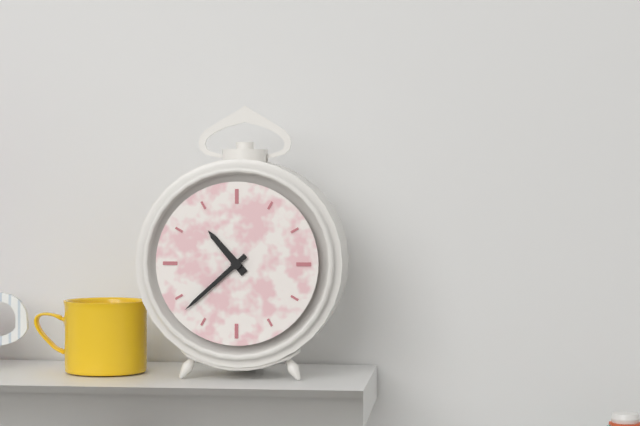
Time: {"hour": 10, "minute": 38}
